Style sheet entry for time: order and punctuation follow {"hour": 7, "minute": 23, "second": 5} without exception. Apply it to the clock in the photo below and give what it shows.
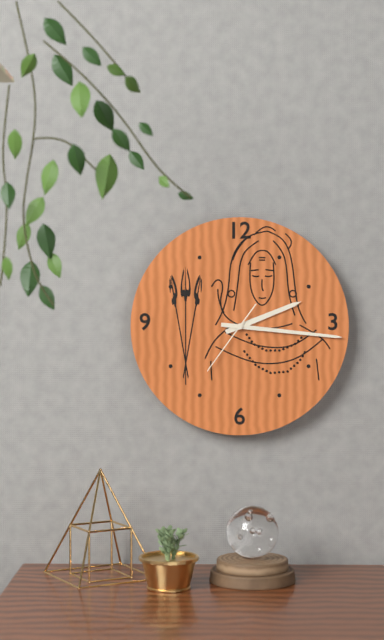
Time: {"hour": 2, "minute": 16, "second": 36}
